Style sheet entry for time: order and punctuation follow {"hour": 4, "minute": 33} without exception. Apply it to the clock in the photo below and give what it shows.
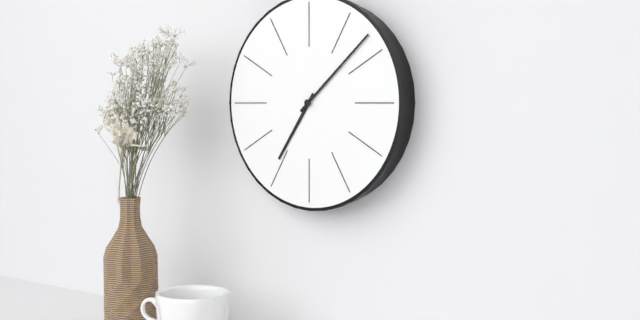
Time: {"hour": 7, "minute": 8}
